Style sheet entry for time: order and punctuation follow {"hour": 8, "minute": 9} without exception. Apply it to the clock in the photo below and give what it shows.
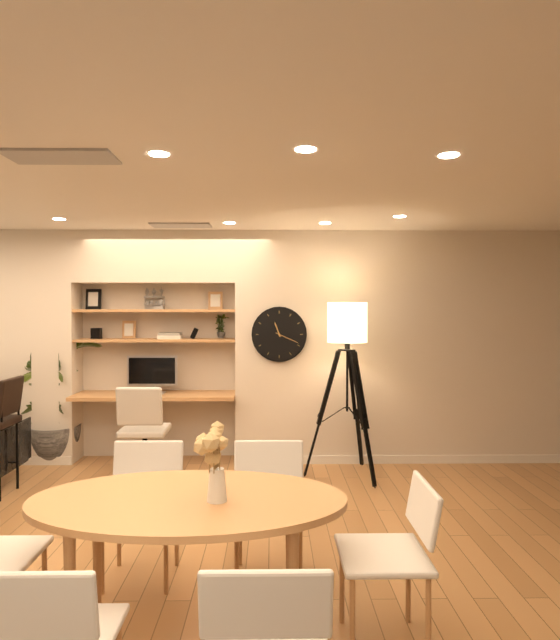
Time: {"hour": 11, "minute": 19}
